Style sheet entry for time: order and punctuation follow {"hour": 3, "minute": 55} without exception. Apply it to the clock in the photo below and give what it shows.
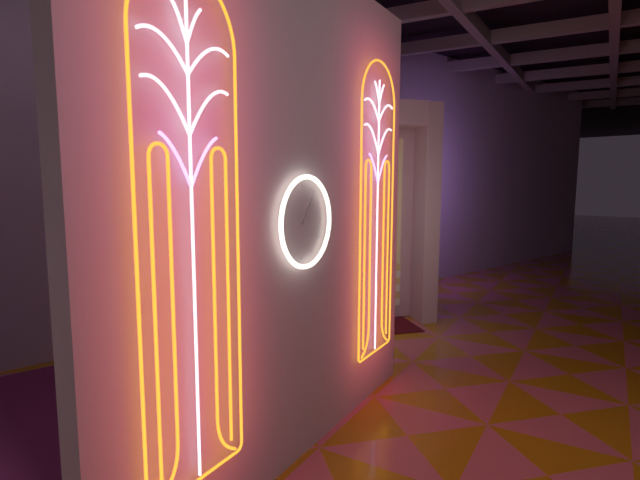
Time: {"hour": 1, "minute": 6}
